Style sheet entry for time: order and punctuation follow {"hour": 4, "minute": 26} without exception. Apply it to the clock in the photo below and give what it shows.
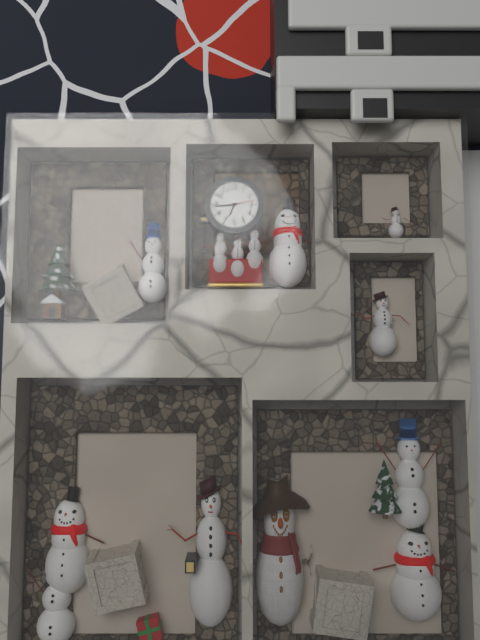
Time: {"hour": 6, "minute": 44}
